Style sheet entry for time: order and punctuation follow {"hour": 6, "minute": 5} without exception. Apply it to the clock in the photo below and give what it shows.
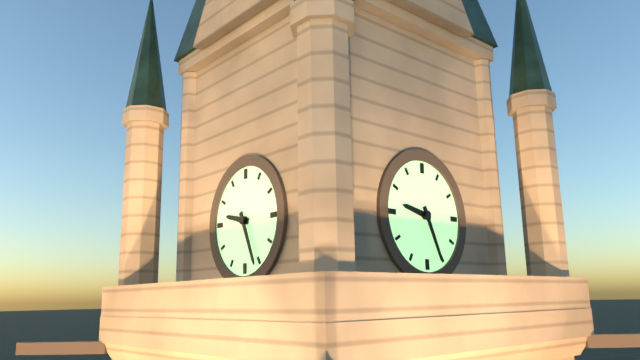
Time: {"hour": 9, "minute": 26}
